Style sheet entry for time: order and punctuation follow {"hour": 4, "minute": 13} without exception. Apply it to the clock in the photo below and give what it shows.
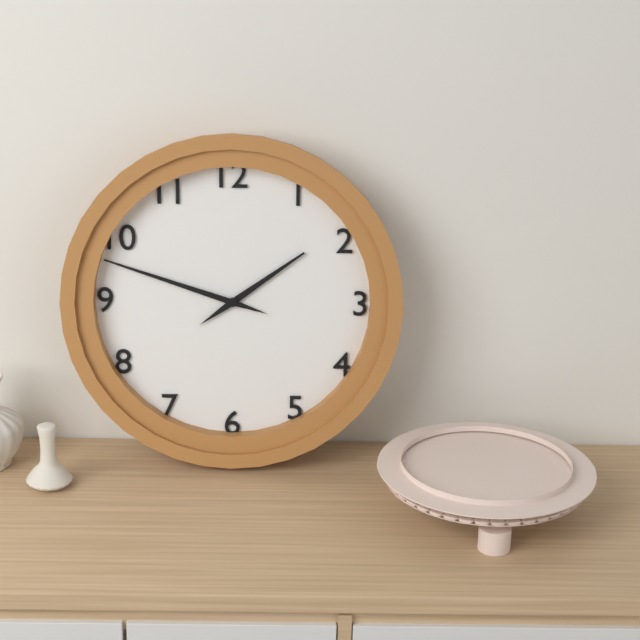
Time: {"hour": 1, "minute": 48}
